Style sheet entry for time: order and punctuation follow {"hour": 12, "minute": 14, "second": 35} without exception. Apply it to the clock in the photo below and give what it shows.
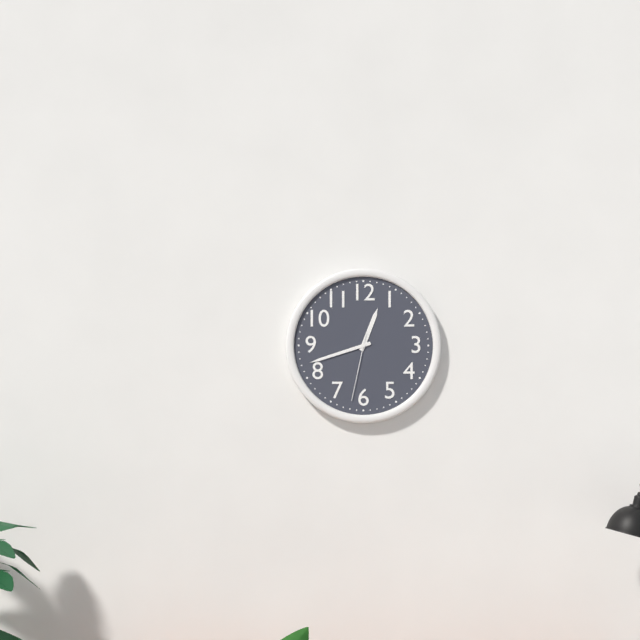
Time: {"hour": 12, "minute": 42, "second": 32}
